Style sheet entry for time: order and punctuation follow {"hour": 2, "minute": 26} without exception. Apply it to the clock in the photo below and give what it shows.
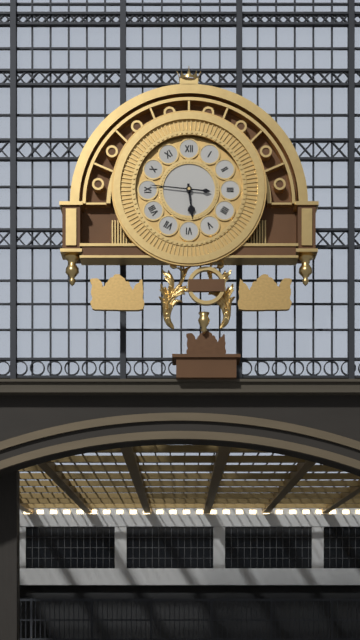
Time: {"hour": 5, "minute": 46}
